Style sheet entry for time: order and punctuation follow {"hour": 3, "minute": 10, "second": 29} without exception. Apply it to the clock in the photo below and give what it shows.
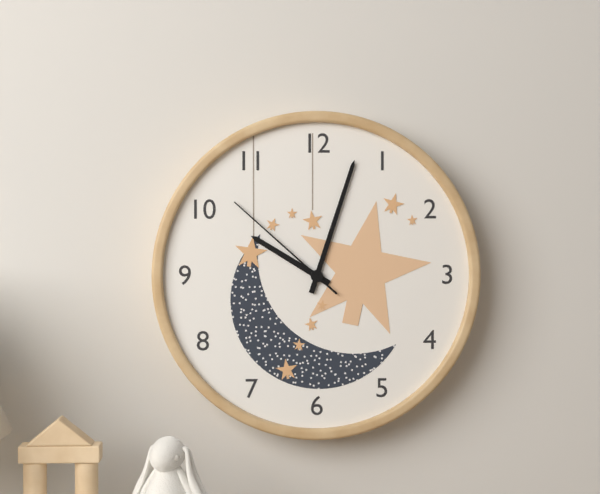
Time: {"hour": 10, "minute": 3, "second": 52}
